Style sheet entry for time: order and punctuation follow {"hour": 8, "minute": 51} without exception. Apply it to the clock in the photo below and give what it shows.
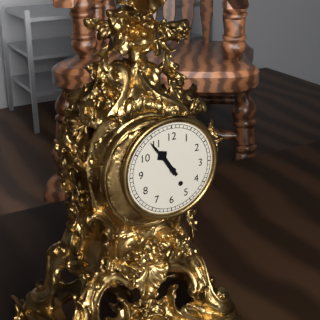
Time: {"hour": 10, "minute": 54}
